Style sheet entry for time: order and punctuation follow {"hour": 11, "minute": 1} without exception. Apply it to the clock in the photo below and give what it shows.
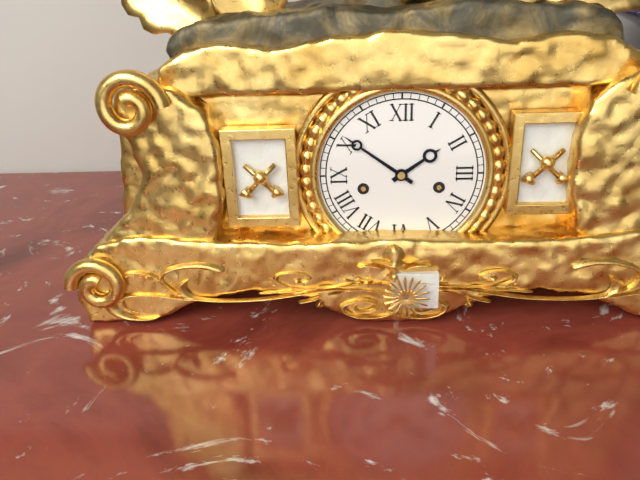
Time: {"hour": 1, "minute": 51}
